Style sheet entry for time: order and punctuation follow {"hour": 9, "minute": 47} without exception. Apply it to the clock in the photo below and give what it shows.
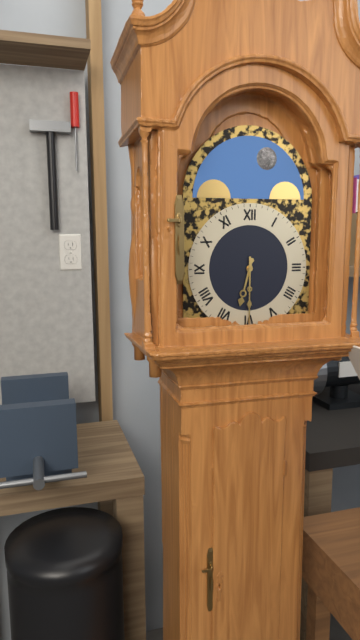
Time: {"hour": 6, "minute": 30}
